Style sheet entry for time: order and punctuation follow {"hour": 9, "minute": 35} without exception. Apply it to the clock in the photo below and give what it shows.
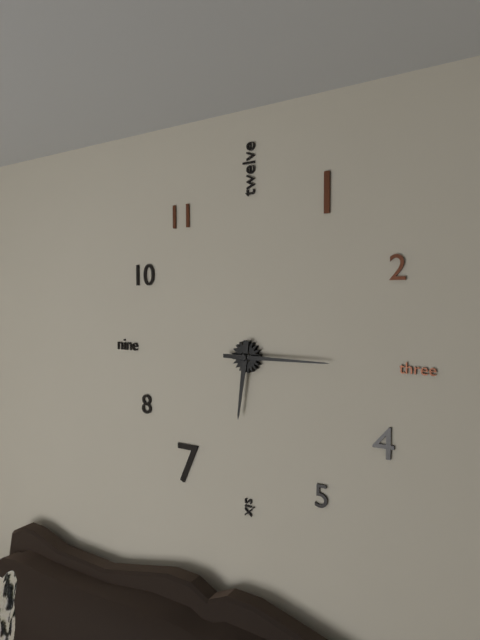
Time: {"hour": 6, "minute": 15}
